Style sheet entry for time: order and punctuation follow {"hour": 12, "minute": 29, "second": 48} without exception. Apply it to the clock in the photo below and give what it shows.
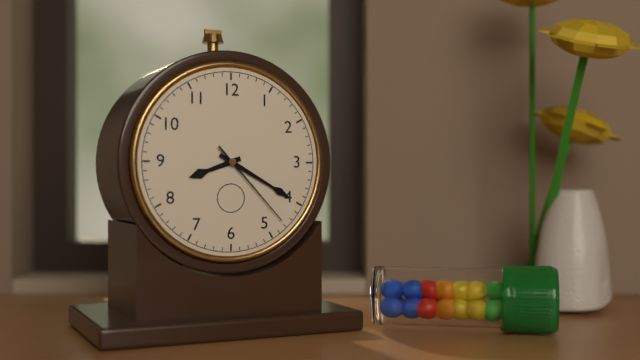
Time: {"hour": 8, "minute": 20, "second": 23}
